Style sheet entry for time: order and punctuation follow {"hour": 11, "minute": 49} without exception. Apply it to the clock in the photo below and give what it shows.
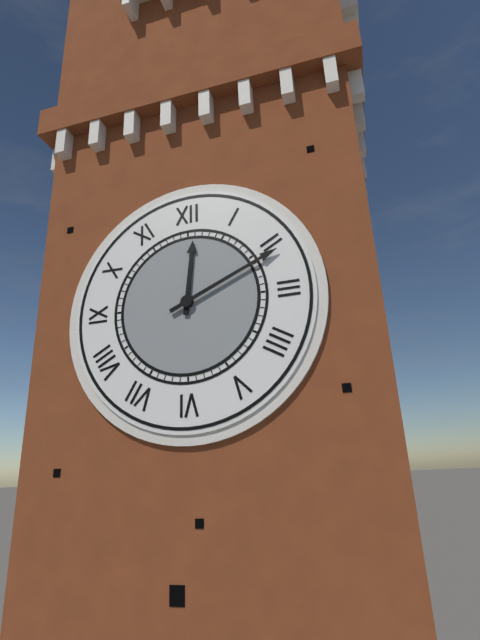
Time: {"hour": 12, "minute": 11}
